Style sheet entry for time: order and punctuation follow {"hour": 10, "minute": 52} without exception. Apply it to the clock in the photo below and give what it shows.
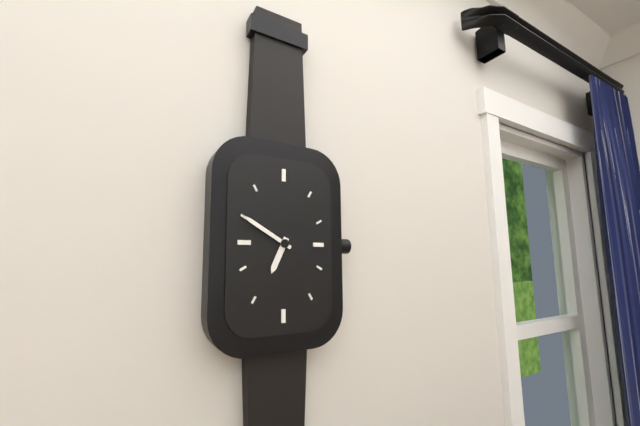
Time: {"hour": 6, "minute": 50}
